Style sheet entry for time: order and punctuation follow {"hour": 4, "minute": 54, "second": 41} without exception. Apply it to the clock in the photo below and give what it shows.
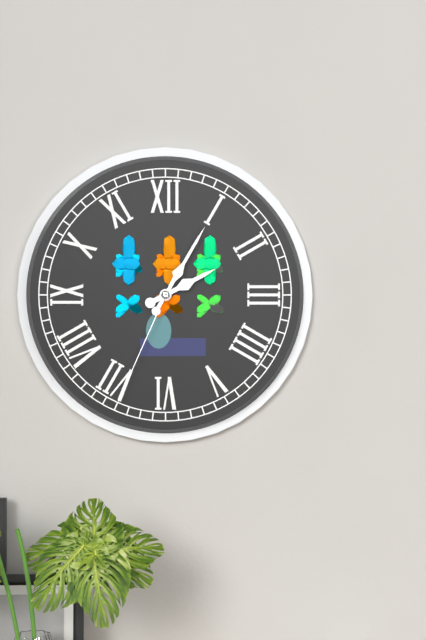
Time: {"hour": 2, "minute": 5, "second": 34}
